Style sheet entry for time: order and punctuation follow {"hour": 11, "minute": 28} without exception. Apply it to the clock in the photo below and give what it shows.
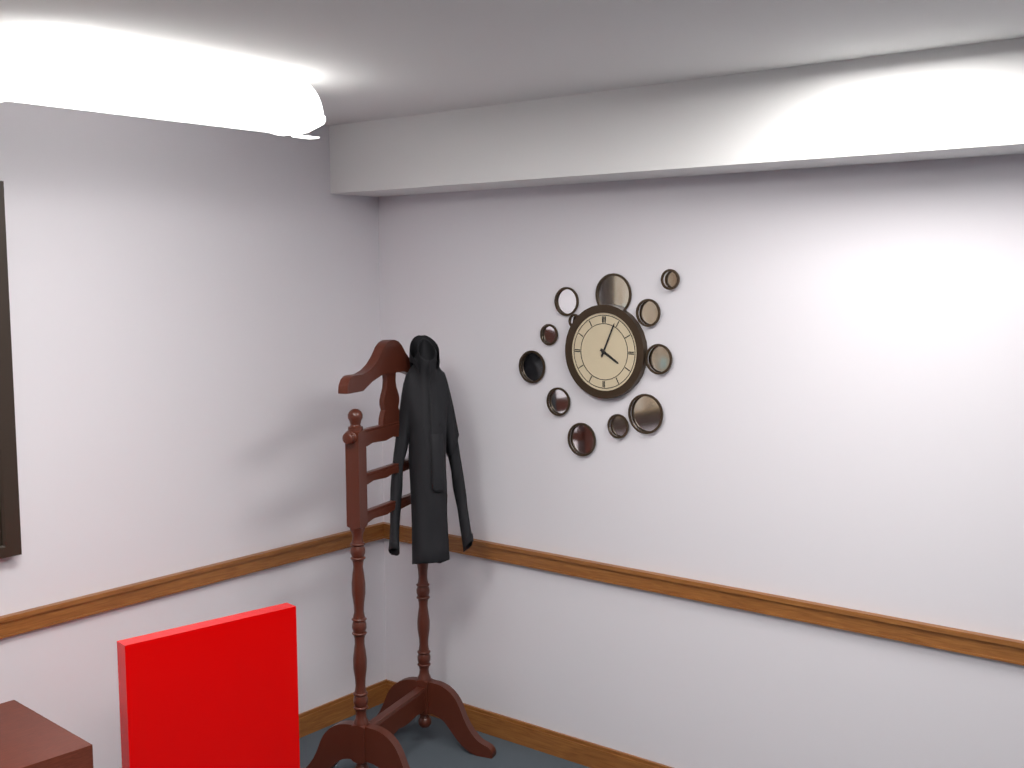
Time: {"hour": 4, "minute": 4}
